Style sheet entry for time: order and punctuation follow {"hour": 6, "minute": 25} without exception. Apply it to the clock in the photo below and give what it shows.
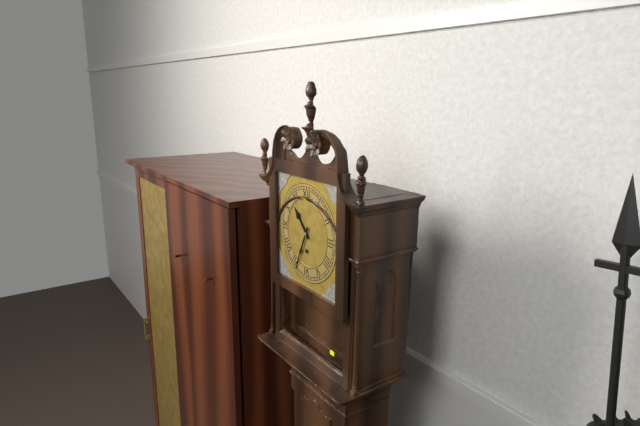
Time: {"hour": 10, "minute": 34}
